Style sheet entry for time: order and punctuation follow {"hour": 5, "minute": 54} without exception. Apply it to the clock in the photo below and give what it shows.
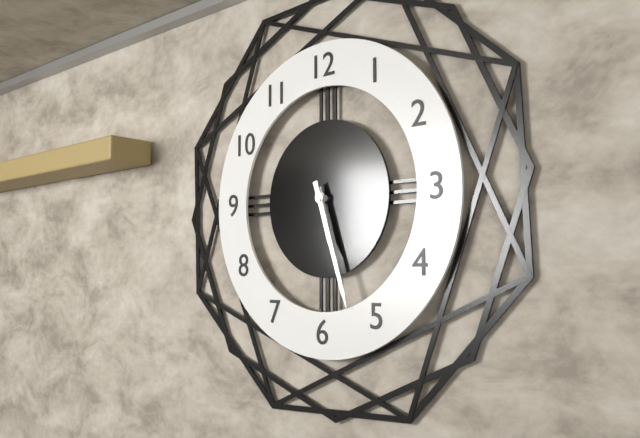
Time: {"hour": 5, "minute": 27}
